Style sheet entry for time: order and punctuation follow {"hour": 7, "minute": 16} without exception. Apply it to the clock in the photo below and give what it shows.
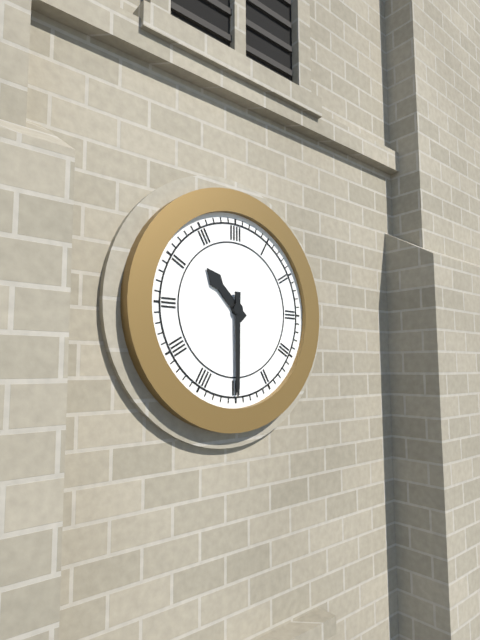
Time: {"hour": 10, "minute": 30}
